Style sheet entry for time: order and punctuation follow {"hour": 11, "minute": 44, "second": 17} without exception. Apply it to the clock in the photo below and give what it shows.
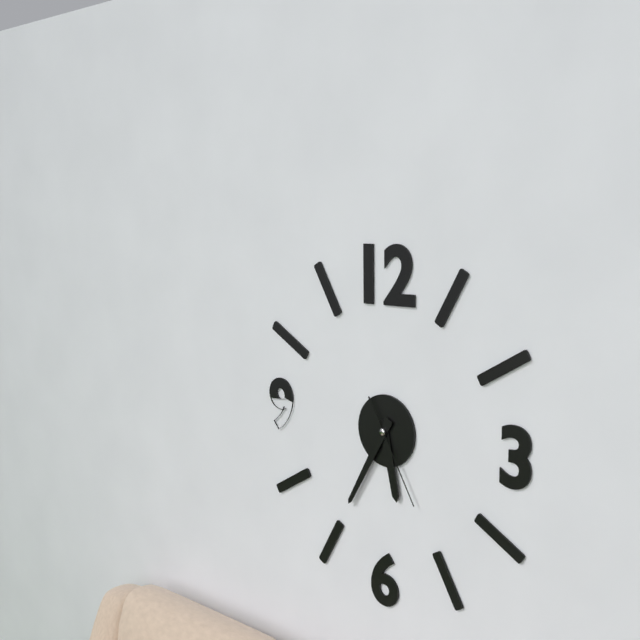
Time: {"hour": 5, "minute": 35, "second": 25}
